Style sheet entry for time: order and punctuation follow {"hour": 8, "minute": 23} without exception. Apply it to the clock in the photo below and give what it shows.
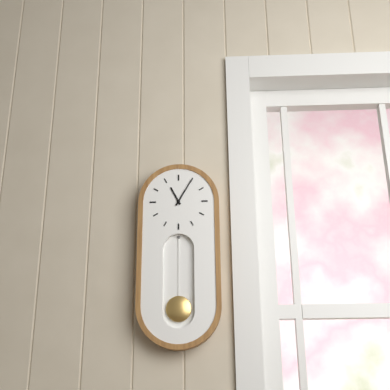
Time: {"hour": 11, "minute": 5}
